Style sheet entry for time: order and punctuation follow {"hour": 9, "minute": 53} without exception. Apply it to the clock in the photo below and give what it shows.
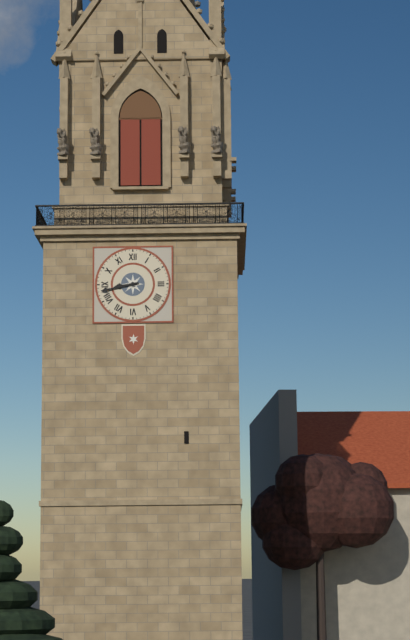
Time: {"hour": 8, "minute": 43}
